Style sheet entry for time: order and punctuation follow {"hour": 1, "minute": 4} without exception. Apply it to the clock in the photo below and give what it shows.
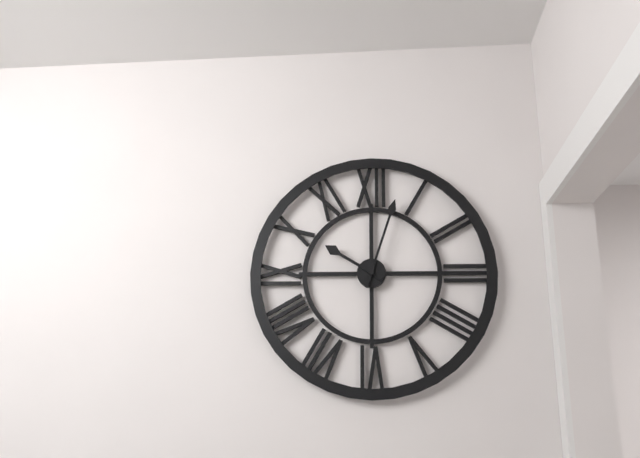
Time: {"hour": 10, "minute": 3}
